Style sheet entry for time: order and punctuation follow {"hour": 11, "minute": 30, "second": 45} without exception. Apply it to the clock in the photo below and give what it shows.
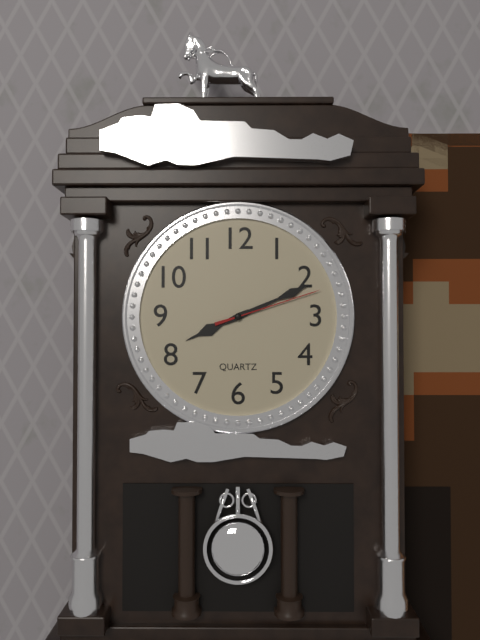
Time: {"hour": 8, "minute": 11, "second": 12}
